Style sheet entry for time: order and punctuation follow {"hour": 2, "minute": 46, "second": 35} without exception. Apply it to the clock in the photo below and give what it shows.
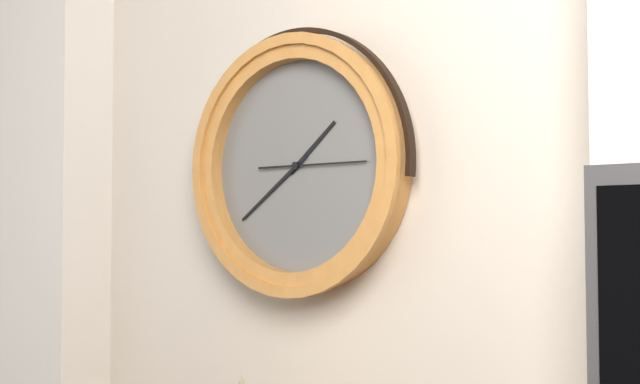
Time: {"hour": 1, "minute": 39, "second": 15}
